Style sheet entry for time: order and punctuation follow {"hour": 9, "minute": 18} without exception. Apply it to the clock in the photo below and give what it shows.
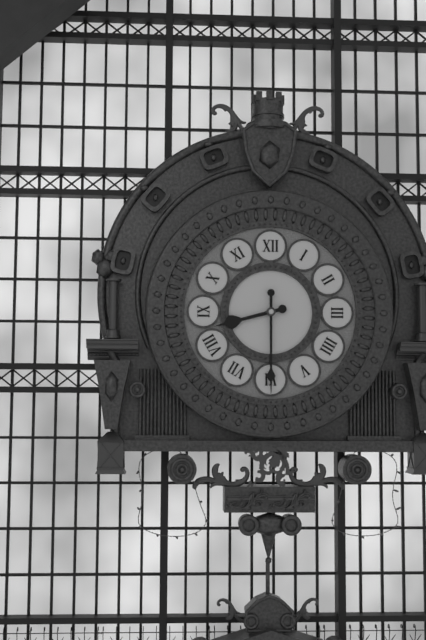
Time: {"hour": 8, "minute": 30}
